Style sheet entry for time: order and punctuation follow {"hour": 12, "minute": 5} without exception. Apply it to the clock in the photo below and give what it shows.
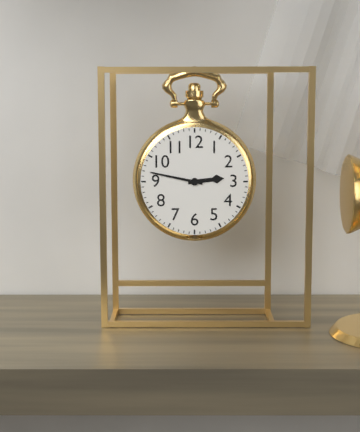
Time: {"hour": 2, "minute": 47}
